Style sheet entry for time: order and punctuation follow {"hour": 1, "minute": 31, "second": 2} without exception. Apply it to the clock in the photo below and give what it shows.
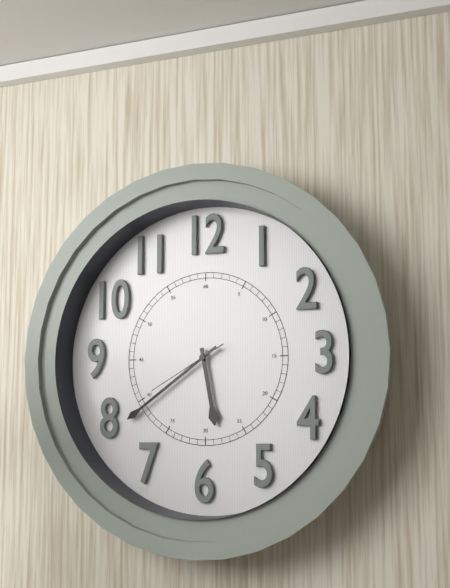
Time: {"hour": 5, "minute": 39, "second": 40}
